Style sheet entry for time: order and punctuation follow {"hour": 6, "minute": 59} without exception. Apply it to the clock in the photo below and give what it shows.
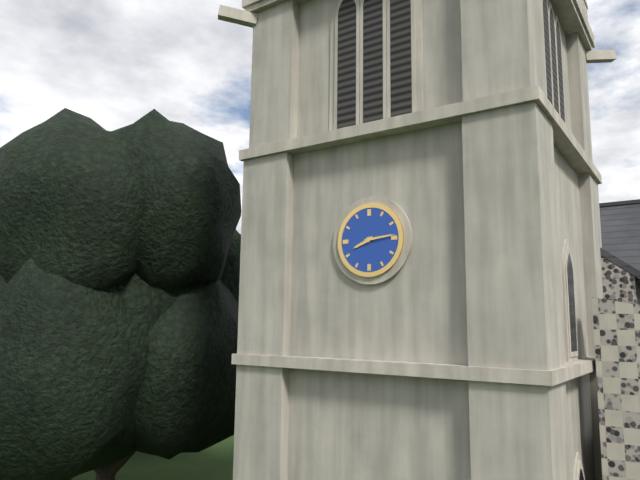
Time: {"hour": 8, "minute": 14}
